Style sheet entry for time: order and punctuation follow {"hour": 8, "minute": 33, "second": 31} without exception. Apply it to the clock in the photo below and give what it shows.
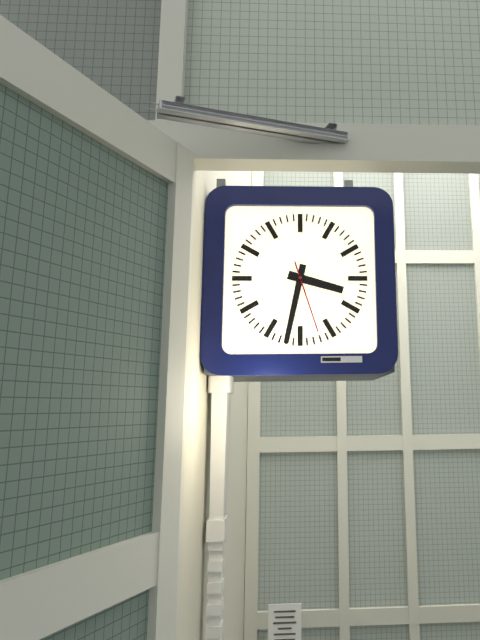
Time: {"hour": 3, "minute": 32, "second": 27}
